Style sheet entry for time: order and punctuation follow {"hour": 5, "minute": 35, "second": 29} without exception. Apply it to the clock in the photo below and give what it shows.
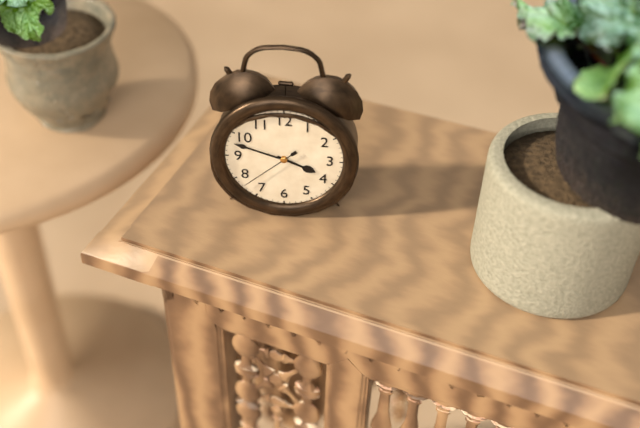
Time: {"hour": 3, "minute": 48, "second": 38}
